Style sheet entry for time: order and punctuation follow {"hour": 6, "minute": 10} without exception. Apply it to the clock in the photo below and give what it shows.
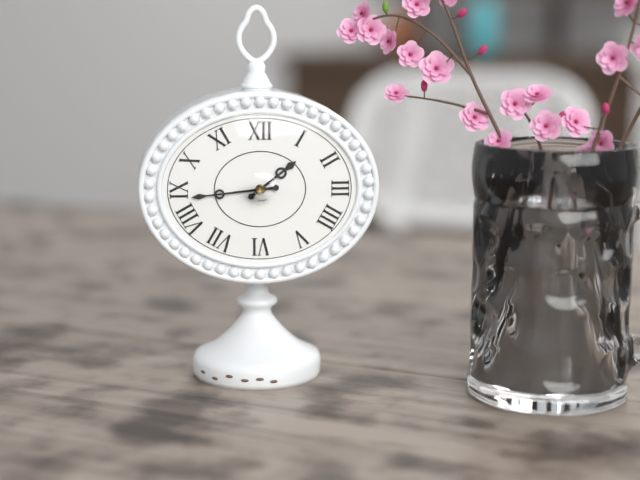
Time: {"hour": 1, "minute": 44}
